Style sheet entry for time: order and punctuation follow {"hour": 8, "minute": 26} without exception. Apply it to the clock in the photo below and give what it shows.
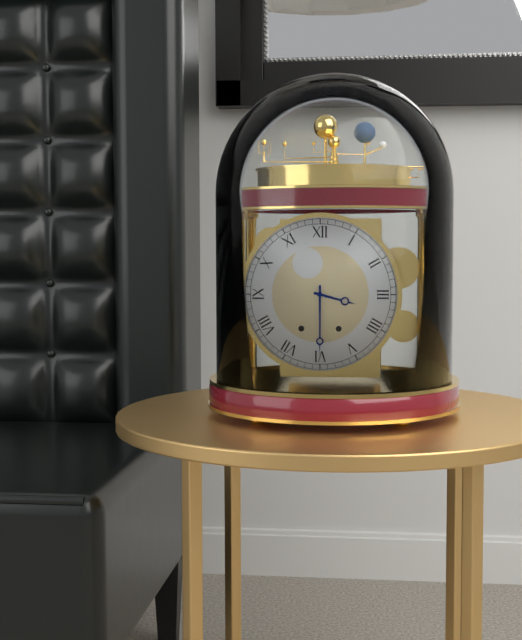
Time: {"hour": 3, "minute": 30}
